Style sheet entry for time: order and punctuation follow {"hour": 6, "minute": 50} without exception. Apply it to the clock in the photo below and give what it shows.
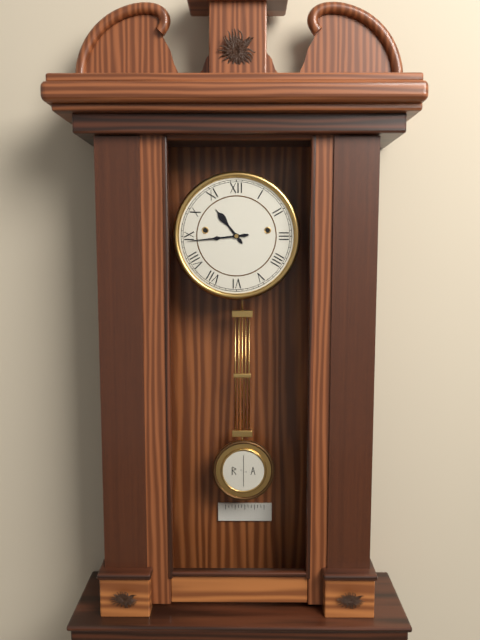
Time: {"hour": 10, "minute": 44}
